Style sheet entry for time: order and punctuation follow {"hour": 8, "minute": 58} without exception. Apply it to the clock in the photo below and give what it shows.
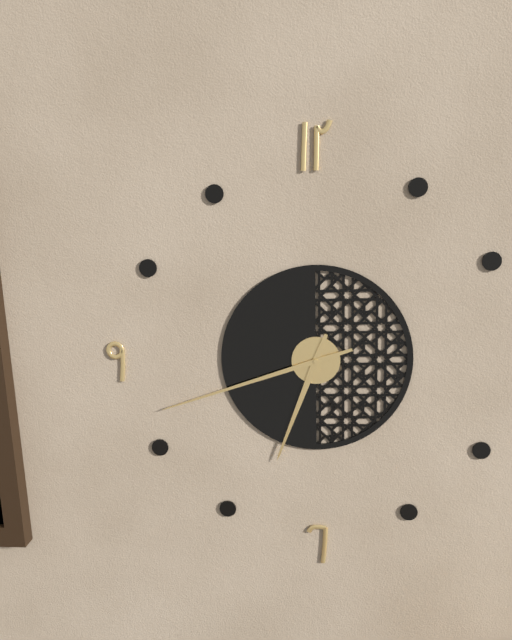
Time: {"hour": 6, "minute": 42}
